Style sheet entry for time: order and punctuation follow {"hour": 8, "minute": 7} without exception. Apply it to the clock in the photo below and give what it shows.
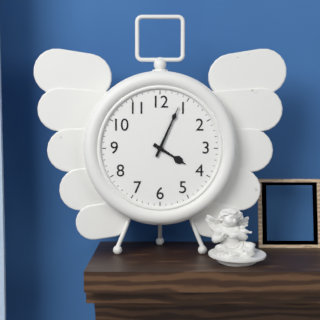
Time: {"hour": 4, "minute": 4}
